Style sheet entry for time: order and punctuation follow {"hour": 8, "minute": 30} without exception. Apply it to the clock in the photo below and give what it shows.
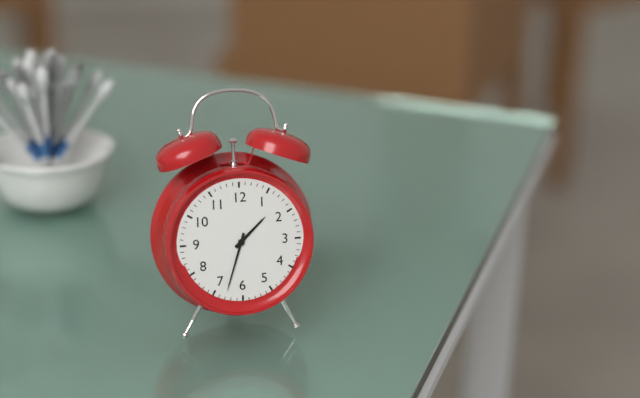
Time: {"hour": 1, "minute": 33}
